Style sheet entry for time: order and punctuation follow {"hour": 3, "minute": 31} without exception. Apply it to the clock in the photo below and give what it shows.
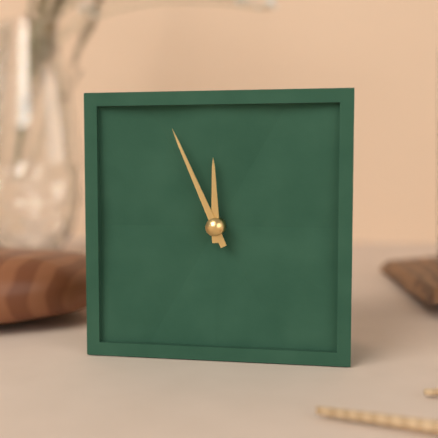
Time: {"hour": 11, "minute": 56}
